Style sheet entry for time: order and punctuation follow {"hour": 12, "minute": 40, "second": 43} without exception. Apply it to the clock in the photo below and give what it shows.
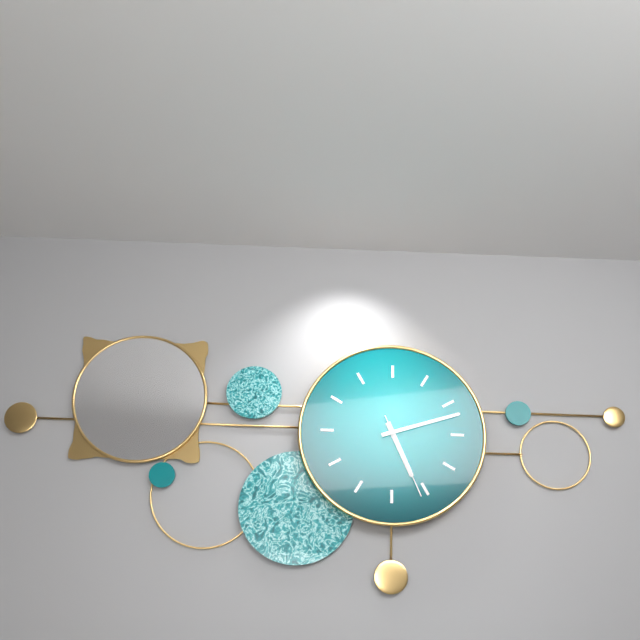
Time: {"hour": 5, "minute": 12, "second": 26}
